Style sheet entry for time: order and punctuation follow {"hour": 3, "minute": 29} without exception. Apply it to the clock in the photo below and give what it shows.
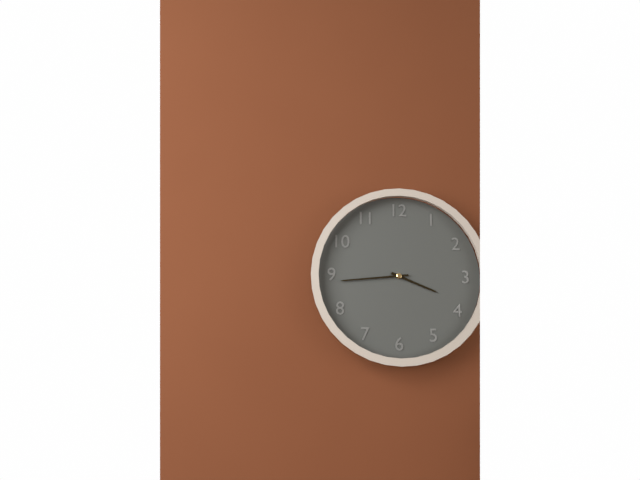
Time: {"hour": 3, "minute": 44}
